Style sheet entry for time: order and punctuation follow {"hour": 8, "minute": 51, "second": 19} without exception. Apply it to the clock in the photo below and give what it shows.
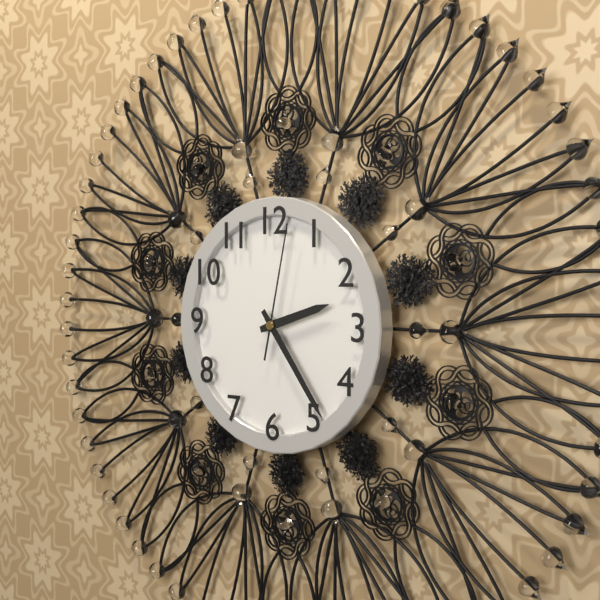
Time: {"hour": 2, "minute": 24, "second": 2}
